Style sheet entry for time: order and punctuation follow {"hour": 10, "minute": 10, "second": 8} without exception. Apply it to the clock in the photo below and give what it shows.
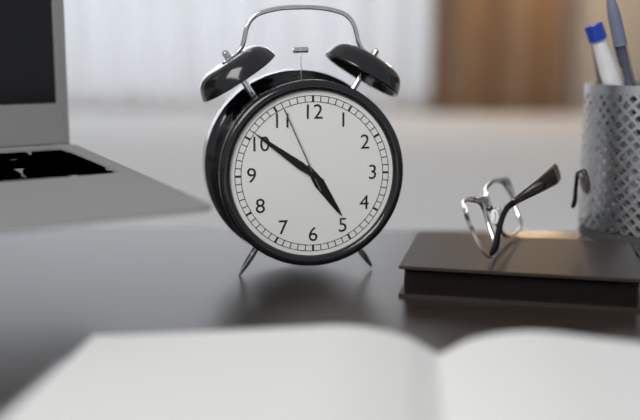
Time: {"hour": 4, "minute": 51, "second": 56}
